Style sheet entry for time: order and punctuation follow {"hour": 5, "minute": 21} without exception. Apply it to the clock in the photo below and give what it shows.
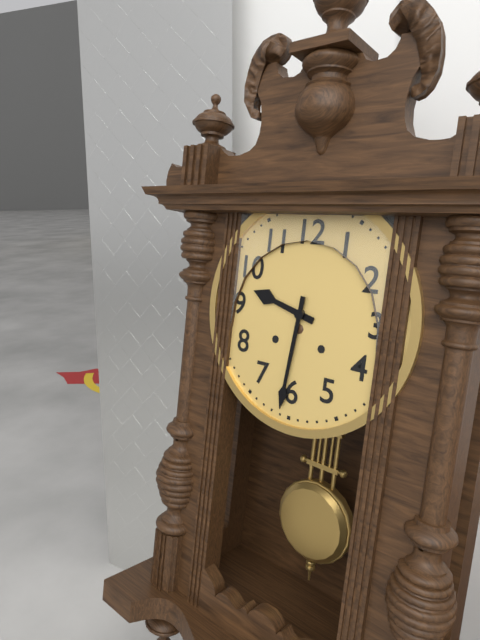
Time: {"hour": 9, "minute": 31}
